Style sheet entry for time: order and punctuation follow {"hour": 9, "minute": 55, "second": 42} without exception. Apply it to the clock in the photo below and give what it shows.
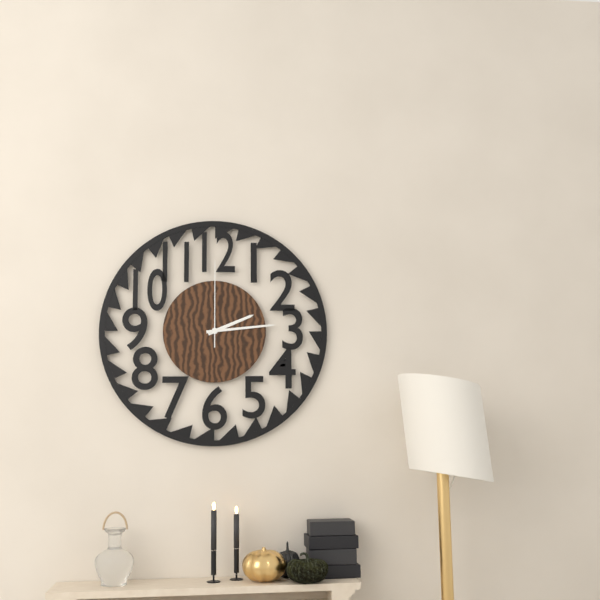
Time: {"hour": 2, "minute": 14, "second": 0}
